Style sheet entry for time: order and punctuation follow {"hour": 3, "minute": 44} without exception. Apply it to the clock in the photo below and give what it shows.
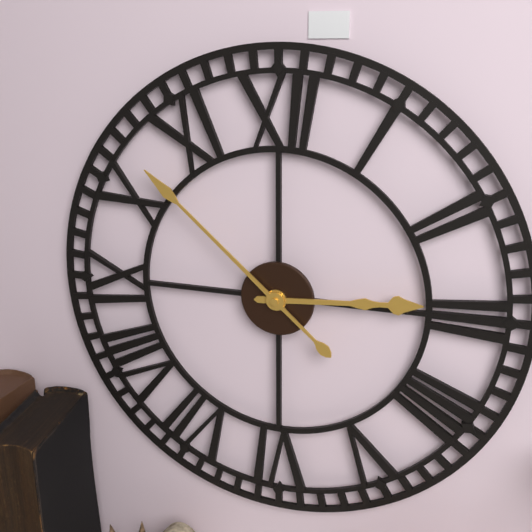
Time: {"hour": 2, "minute": 52}
